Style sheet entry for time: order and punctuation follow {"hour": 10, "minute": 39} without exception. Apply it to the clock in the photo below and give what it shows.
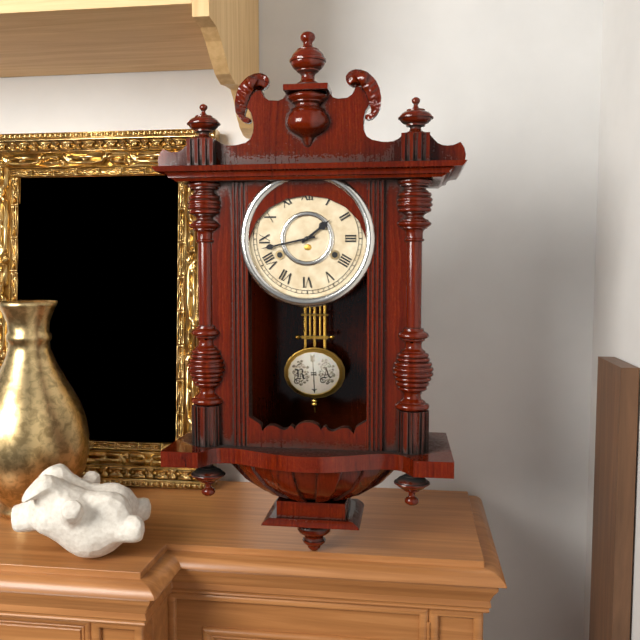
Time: {"hour": 1, "minute": 43}
